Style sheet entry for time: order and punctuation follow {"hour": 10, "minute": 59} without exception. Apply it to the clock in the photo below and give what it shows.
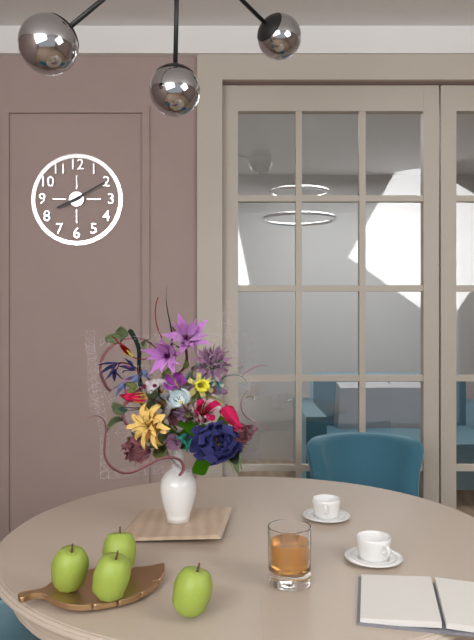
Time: {"hour": 8, "minute": 10}
